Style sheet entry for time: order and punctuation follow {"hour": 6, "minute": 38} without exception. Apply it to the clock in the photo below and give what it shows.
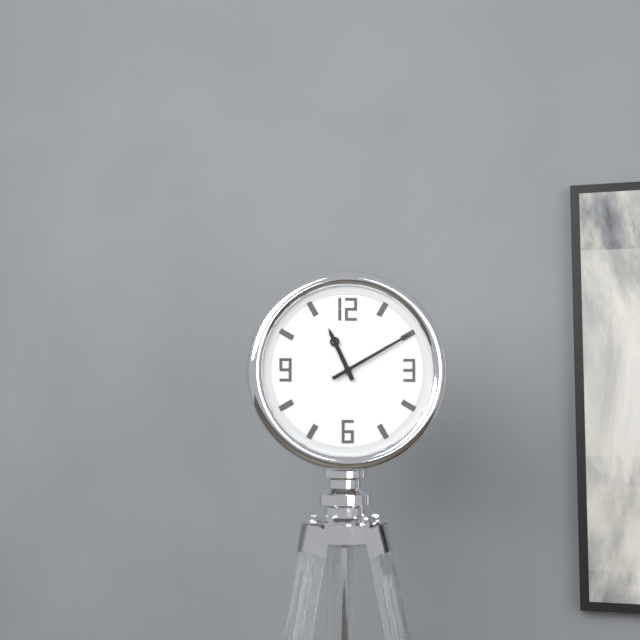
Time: {"hour": 11, "minute": 10}
